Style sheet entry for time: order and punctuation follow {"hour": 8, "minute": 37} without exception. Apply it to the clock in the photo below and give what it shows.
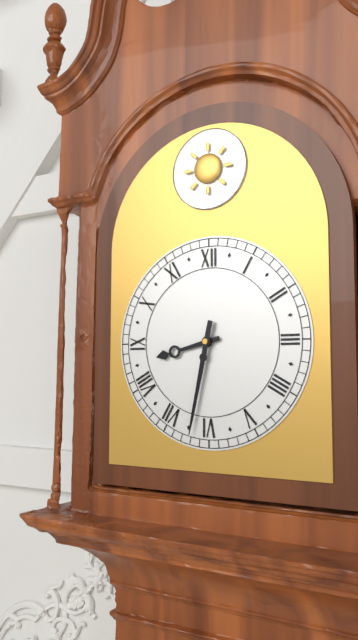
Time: {"hour": 8, "minute": 32}
